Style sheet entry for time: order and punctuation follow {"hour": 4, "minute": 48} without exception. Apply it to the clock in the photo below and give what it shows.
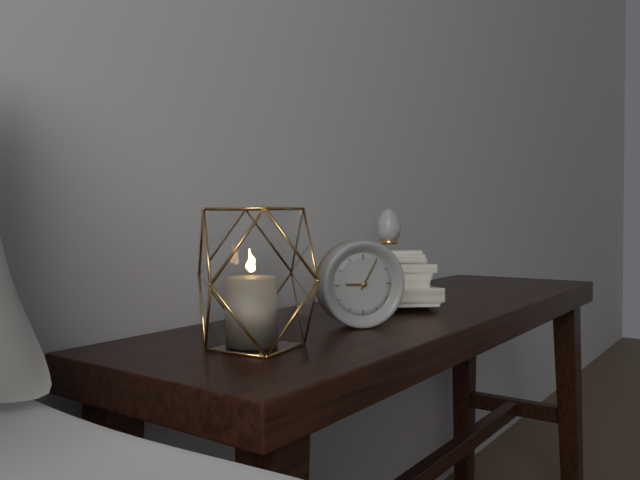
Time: {"hour": 9, "minute": 5}
